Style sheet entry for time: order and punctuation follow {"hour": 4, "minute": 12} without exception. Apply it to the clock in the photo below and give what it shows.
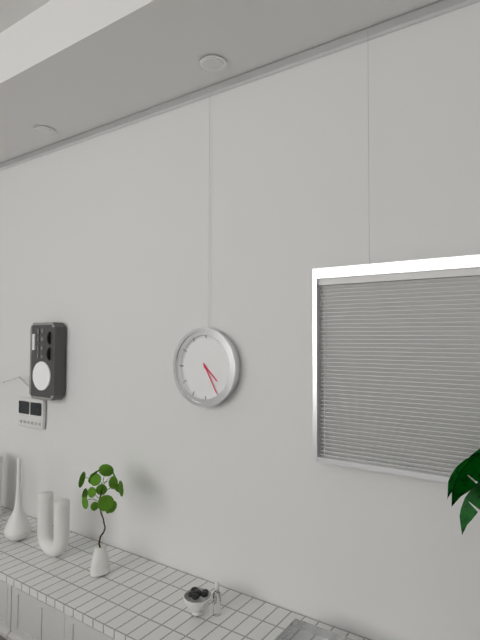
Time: {"hour": 4, "minute": 25}
